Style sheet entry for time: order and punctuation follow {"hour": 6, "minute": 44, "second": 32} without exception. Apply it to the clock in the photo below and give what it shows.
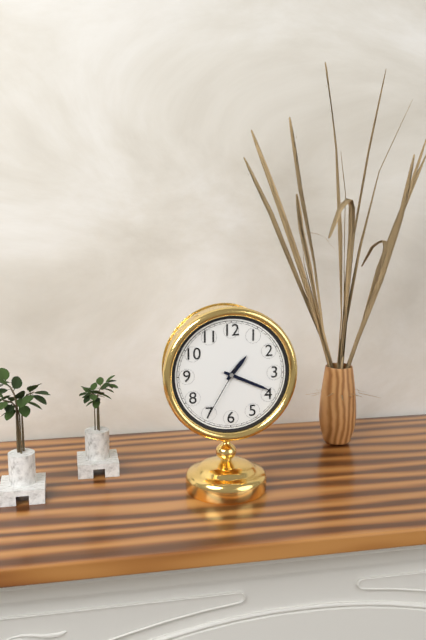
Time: {"hour": 1, "minute": 19, "second": 35}
